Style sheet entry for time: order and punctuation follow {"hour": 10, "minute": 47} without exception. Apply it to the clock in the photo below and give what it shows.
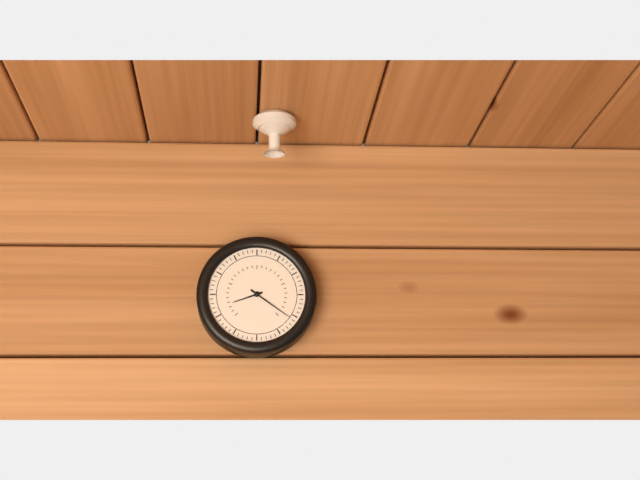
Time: {"hour": 8, "minute": 21}
